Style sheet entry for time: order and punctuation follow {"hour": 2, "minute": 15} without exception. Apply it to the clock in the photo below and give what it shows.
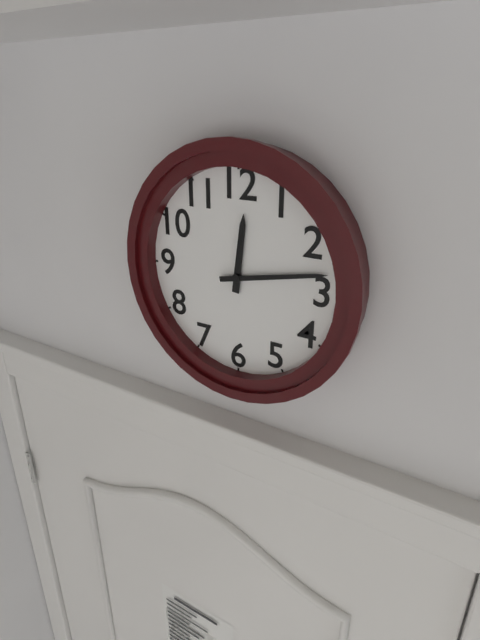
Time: {"hour": 12, "minute": 13}
